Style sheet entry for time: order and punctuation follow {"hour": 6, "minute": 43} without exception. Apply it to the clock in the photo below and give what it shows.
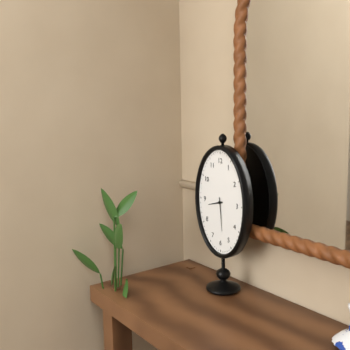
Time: {"hour": 8, "minute": 29}
